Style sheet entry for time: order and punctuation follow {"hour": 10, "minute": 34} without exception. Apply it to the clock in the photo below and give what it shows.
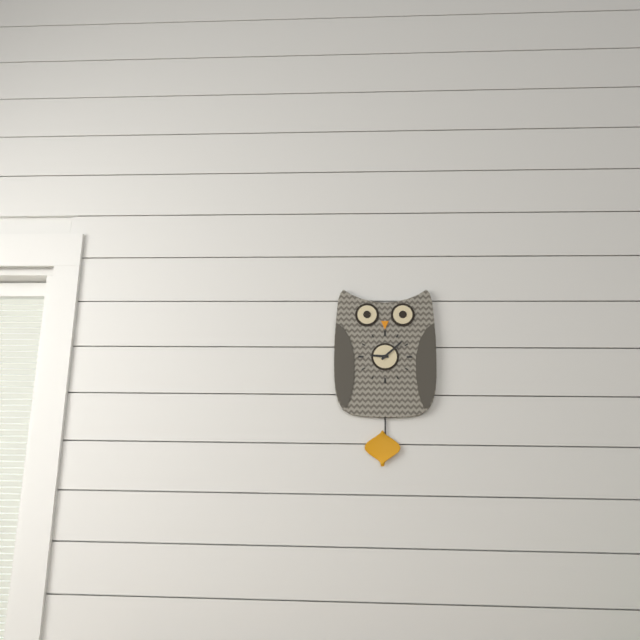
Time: {"hour": 9, "minute": 8}
